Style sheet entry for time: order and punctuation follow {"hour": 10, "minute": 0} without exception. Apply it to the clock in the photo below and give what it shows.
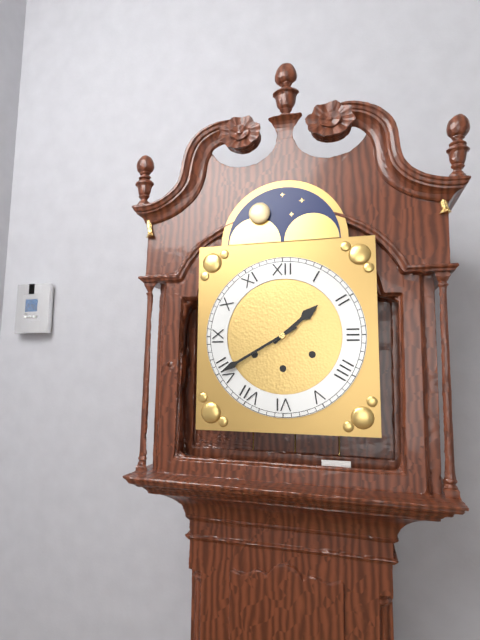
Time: {"hour": 1, "minute": 40}
